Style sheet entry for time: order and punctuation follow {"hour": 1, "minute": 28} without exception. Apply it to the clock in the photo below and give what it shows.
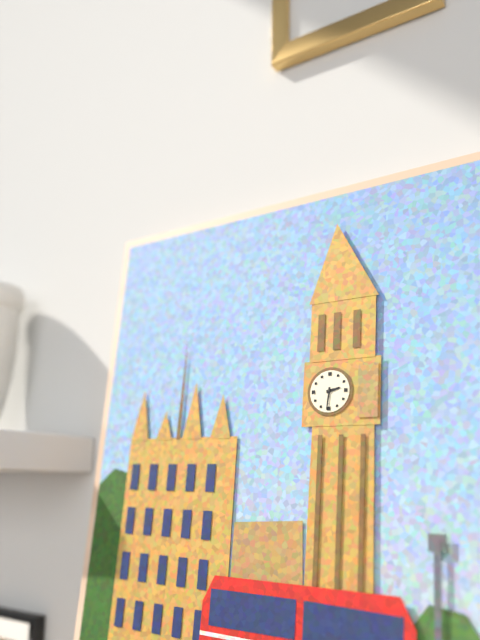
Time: {"hour": 2, "minute": 31}
